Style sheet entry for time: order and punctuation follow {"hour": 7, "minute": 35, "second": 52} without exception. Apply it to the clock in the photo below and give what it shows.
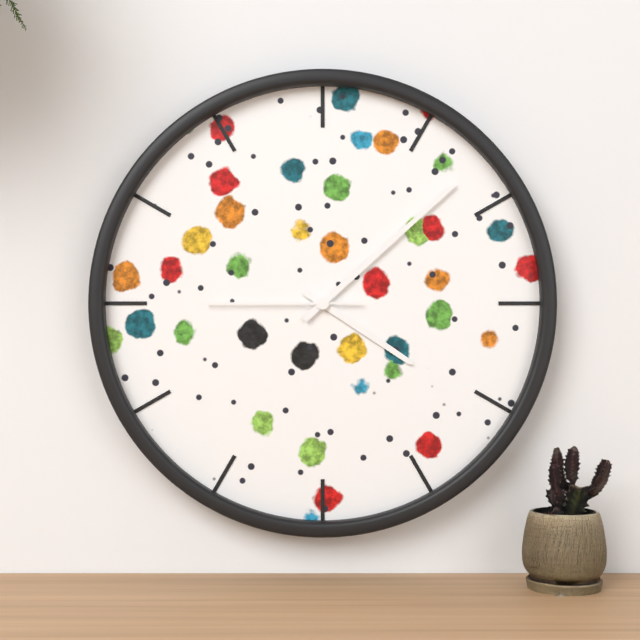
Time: {"hour": 4, "minute": 8, "second": 45}
